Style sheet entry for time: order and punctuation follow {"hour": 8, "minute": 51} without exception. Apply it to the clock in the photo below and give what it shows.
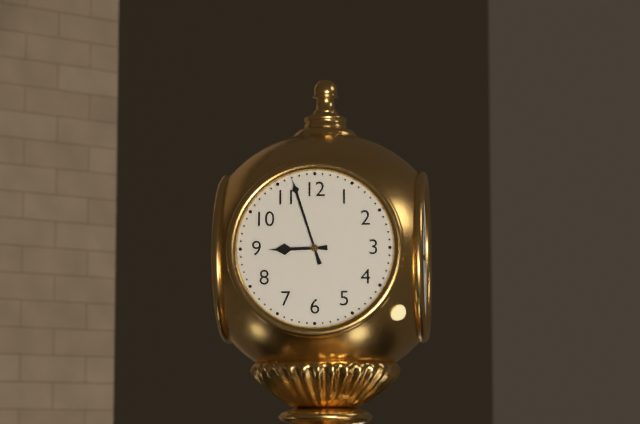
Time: {"hour": 8, "minute": 57}
